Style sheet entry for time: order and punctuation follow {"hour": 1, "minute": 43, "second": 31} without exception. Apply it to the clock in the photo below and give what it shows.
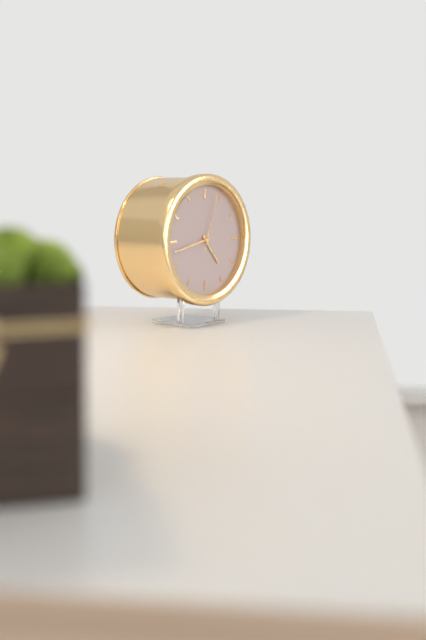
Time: {"hour": 4, "minute": 43, "second": 3}
